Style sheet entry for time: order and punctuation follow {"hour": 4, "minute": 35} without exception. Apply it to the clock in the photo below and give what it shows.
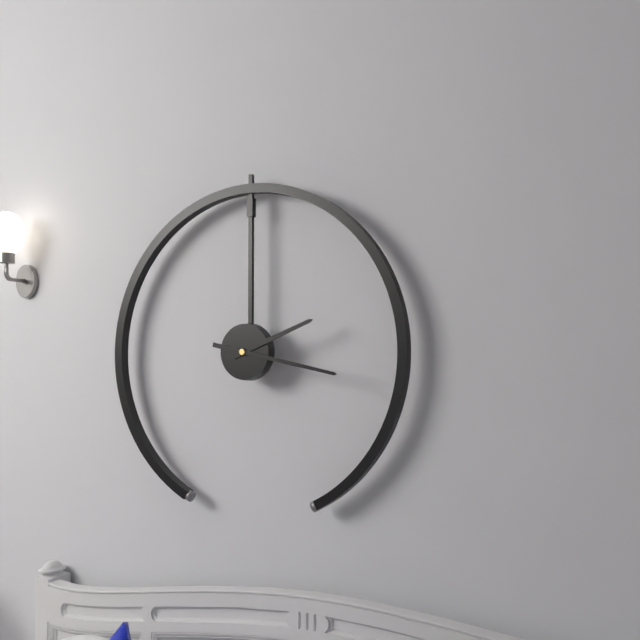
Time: {"hour": 2, "minute": 17}
